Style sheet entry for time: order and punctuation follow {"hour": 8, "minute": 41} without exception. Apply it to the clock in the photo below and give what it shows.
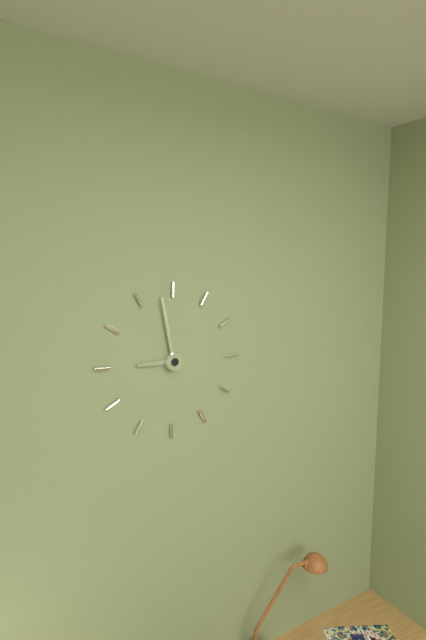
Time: {"hour": 8, "minute": 58}
